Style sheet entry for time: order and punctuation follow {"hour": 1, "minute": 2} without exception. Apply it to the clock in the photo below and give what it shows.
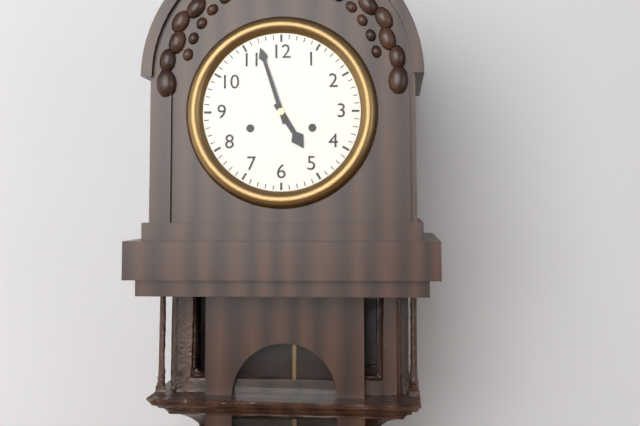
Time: {"hour": 4, "minute": 57}
